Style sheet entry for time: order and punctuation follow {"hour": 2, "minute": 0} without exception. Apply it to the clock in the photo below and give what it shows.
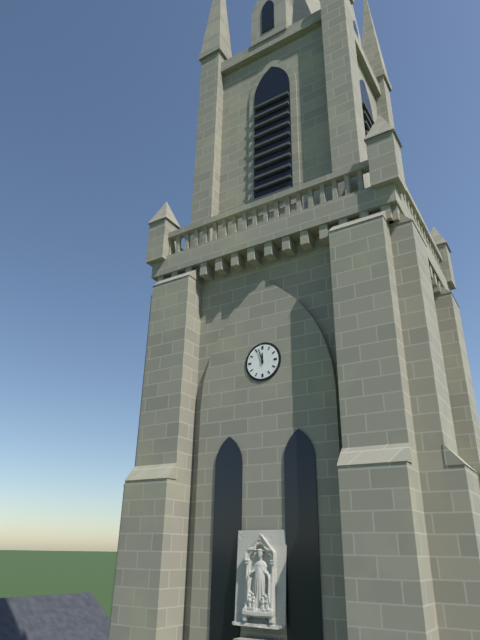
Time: {"hour": 11, "minute": 57}
